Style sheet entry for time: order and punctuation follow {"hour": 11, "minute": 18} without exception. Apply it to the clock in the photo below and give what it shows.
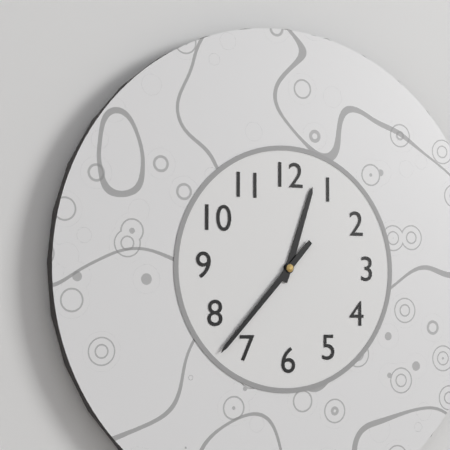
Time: {"hour": 12, "minute": 37}
